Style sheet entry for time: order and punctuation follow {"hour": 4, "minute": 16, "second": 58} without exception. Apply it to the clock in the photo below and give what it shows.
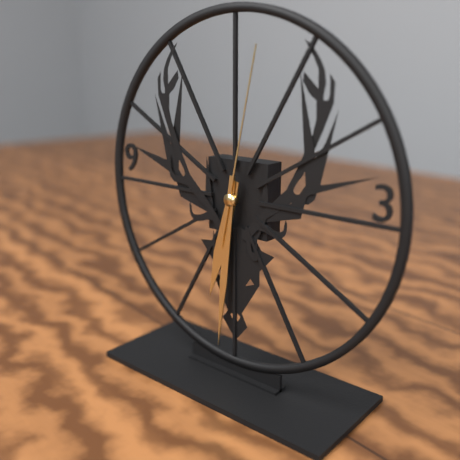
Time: {"hour": 6, "minute": 31, "second": 2}
